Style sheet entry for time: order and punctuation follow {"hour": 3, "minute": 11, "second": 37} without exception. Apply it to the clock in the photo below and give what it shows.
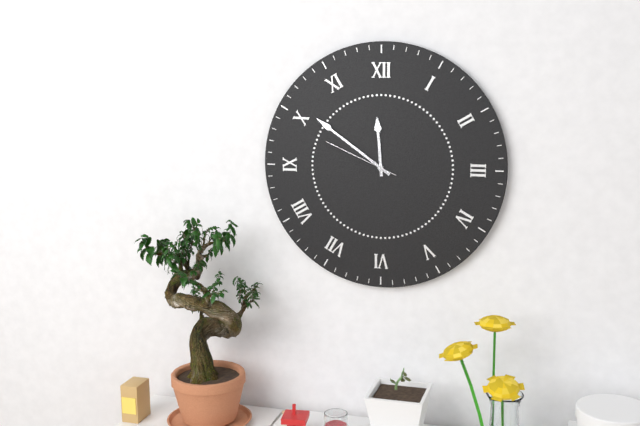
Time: {"hour": 11, "minute": 51, "second": 49}
